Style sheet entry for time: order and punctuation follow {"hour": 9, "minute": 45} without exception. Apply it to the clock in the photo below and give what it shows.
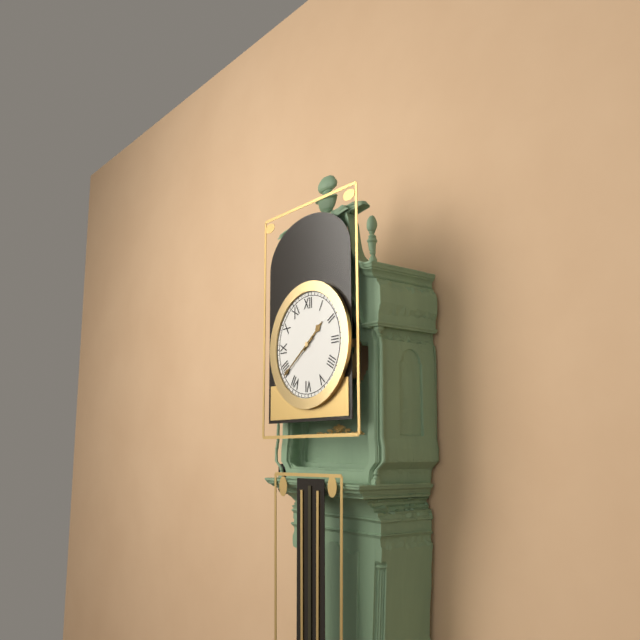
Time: {"hour": 1, "minute": 39}
